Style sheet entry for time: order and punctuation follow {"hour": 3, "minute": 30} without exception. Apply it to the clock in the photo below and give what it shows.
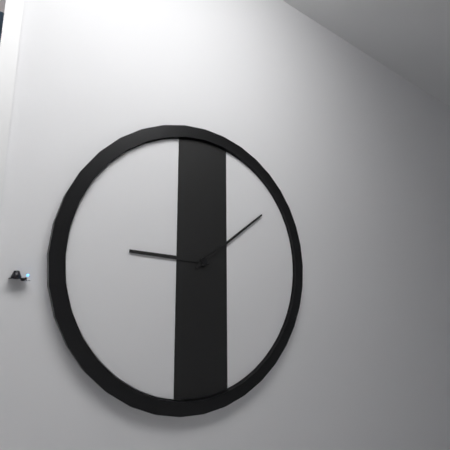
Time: {"hour": 9, "minute": 9}
